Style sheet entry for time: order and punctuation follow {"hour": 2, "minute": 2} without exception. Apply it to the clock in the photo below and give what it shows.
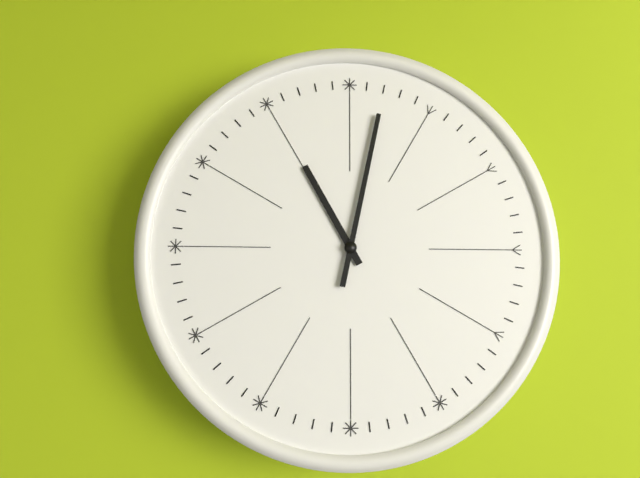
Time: {"hour": 11, "minute": 2}
